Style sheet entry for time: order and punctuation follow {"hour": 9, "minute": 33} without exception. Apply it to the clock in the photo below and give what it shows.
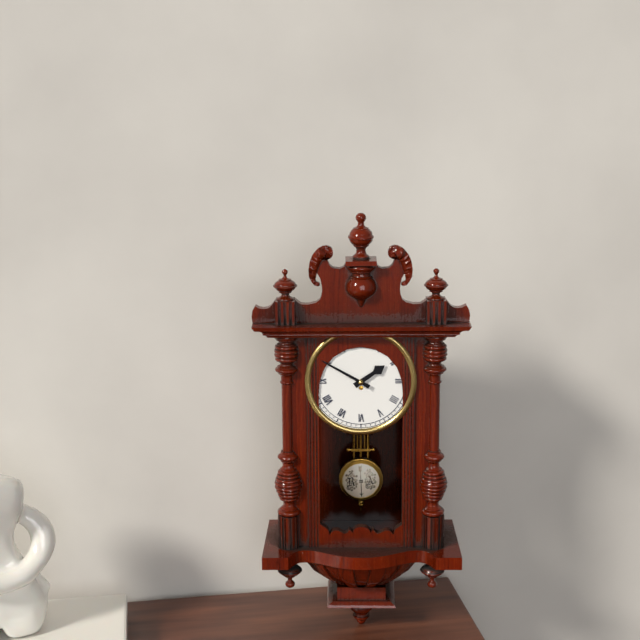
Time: {"hour": 1, "minute": 50}
